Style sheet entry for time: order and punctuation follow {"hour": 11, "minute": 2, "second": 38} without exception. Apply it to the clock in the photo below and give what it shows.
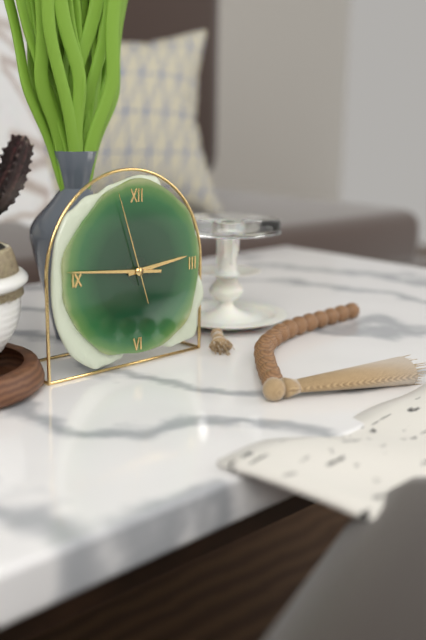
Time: {"hour": 2, "minute": 46, "second": 57}
